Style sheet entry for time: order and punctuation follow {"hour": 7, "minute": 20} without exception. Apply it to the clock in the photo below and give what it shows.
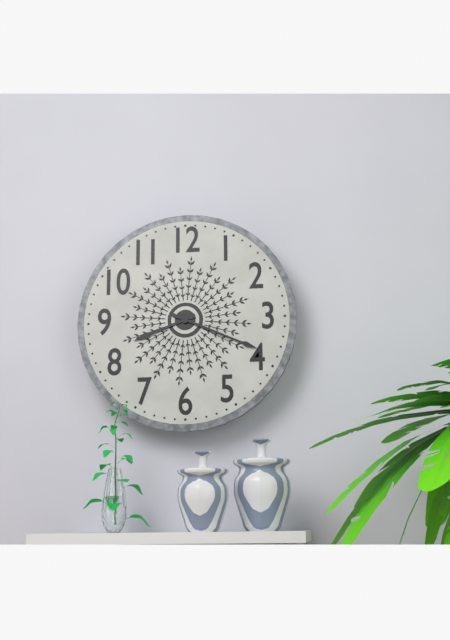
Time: {"hour": 8, "minute": 19}
